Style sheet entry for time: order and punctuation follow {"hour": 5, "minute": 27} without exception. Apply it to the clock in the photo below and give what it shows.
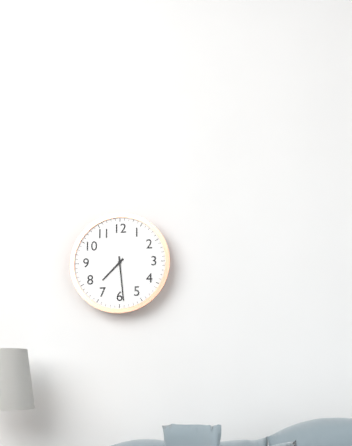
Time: {"hour": 7, "minute": 29}
